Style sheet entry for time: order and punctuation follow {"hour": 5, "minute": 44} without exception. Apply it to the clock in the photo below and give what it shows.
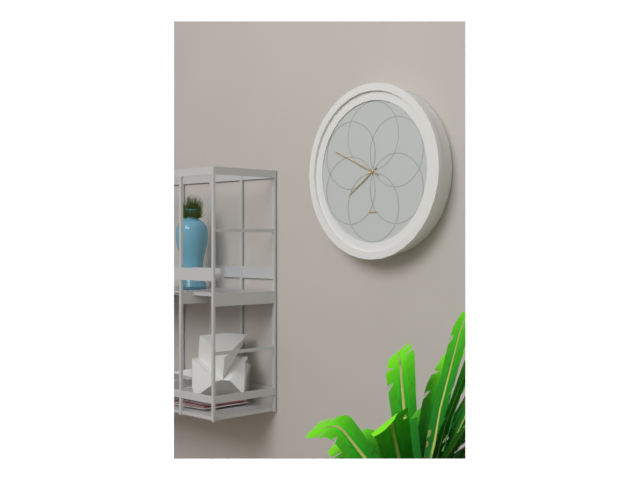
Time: {"hour": 7, "minute": 49}
